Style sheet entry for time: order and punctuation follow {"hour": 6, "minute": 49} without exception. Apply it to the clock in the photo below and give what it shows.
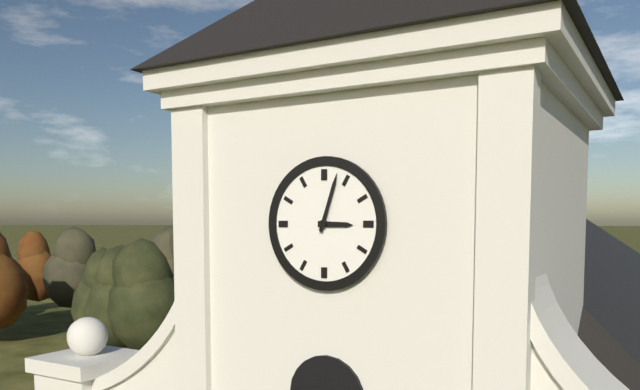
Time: {"hour": 3, "minute": 3}
